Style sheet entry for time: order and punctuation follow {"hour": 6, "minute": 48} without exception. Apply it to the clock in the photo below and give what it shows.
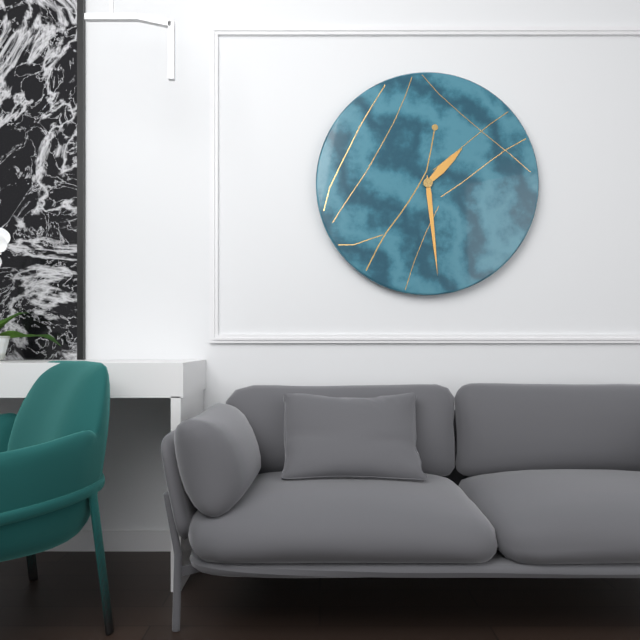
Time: {"hour": 1, "minute": 29}
